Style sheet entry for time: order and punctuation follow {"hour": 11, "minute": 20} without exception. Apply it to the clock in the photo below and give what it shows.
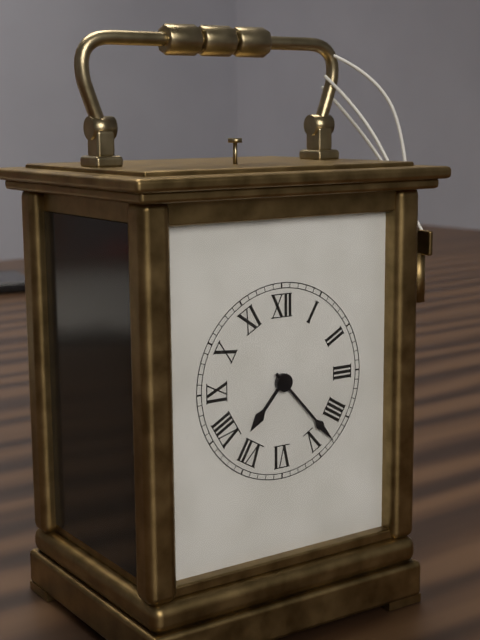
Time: {"hour": 7, "minute": 23}
